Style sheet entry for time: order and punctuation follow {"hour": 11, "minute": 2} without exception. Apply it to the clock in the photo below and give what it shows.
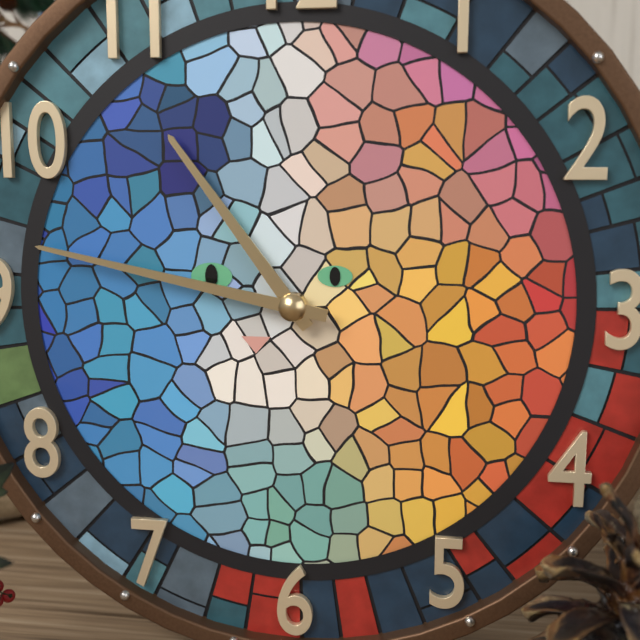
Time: {"hour": 10, "minute": 47}
